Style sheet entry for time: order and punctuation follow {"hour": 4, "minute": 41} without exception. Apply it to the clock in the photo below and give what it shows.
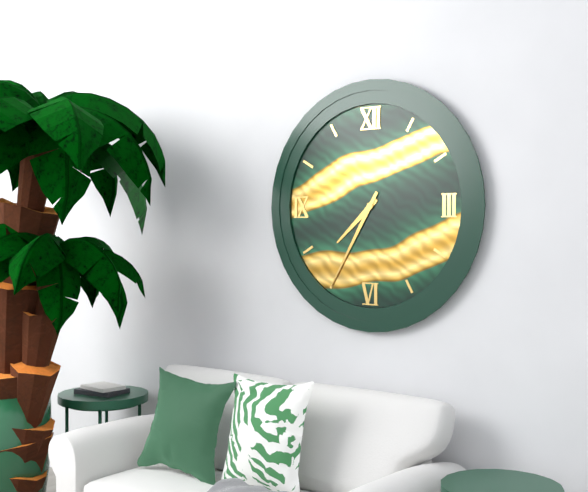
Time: {"hour": 7, "minute": 35}
